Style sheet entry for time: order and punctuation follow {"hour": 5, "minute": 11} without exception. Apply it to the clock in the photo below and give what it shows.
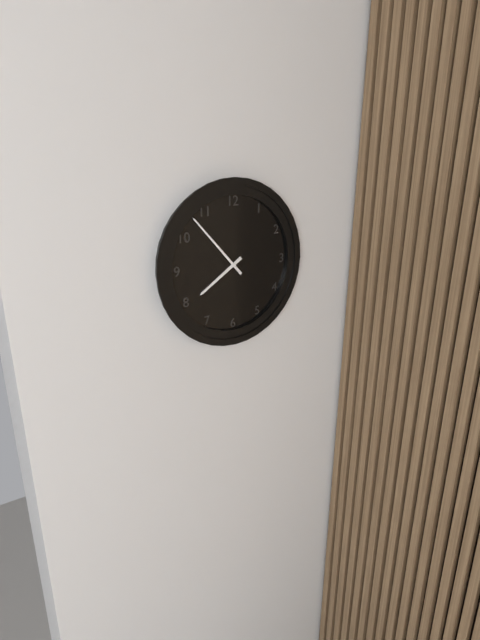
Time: {"hour": 7, "minute": 53}
